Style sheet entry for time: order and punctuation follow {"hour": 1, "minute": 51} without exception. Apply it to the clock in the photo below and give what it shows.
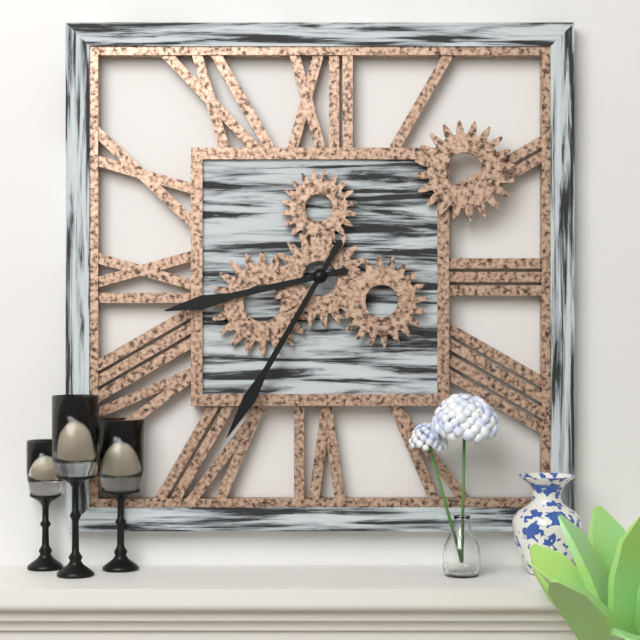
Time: {"hour": 8, "minute": 35}
